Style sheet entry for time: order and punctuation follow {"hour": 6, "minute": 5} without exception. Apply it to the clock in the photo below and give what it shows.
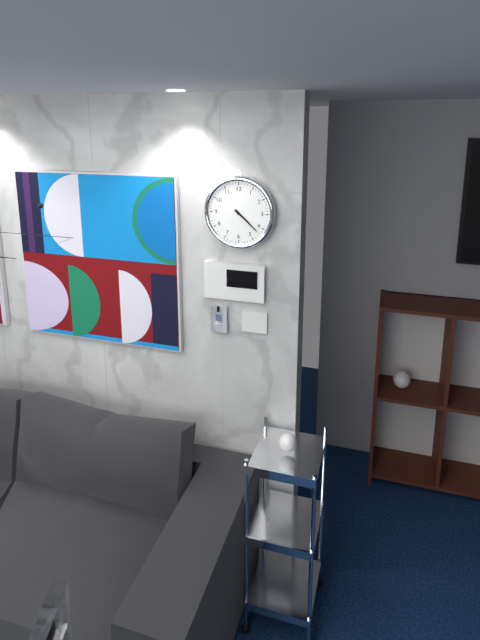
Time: {"hour": 4, "minute": 22}
